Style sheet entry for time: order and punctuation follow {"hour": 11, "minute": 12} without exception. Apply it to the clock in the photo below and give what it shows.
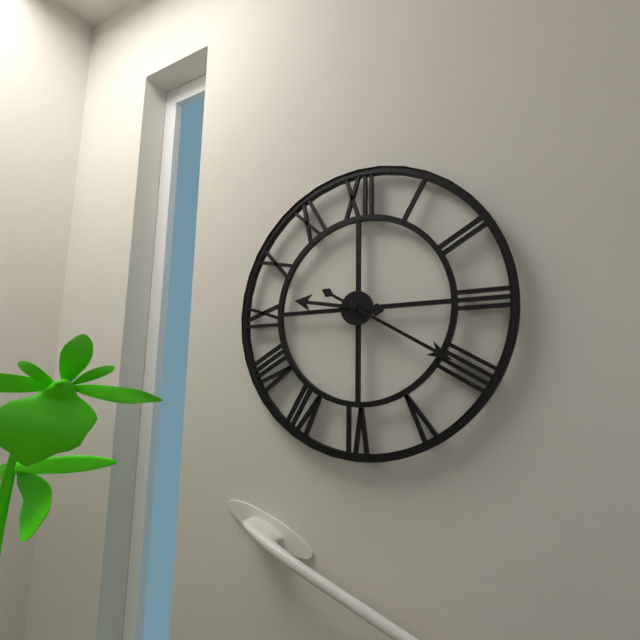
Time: {"hour": 9, "minute": 20}
